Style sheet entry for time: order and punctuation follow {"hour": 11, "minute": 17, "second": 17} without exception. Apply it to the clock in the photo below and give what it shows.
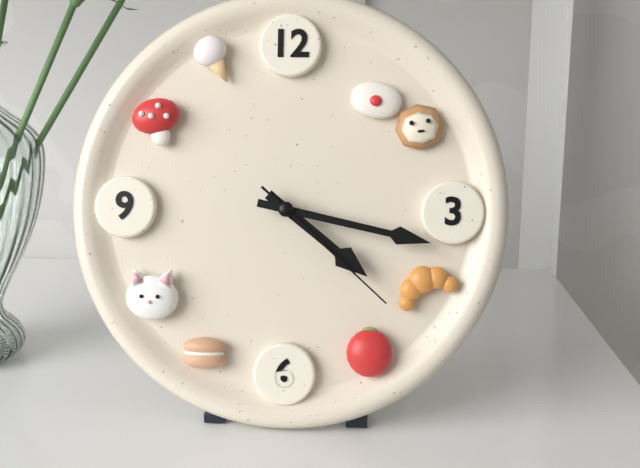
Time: {"hour": 4, "minute": 17, "second": 22}
